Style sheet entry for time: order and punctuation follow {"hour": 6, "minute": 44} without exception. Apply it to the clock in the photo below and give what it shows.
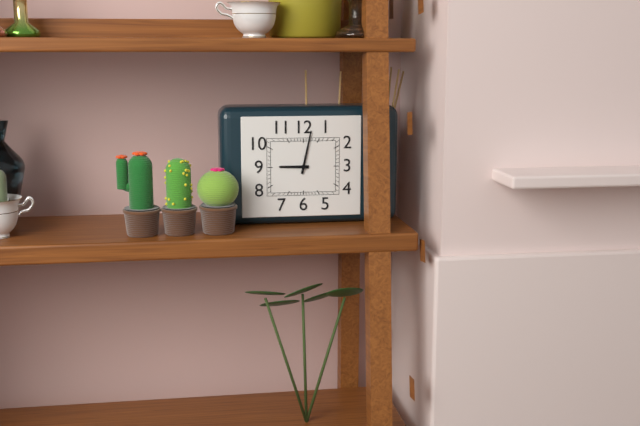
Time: {"hour": 9, "minute": 2}
